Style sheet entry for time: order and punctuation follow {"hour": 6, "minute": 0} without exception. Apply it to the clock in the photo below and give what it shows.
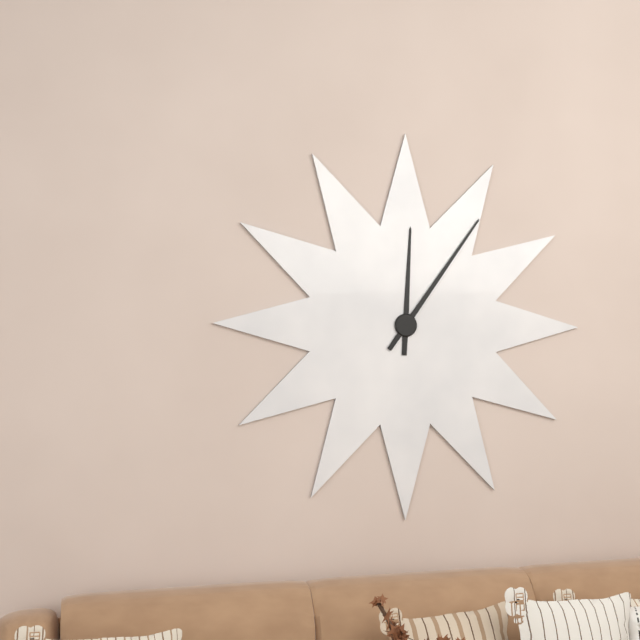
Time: {"hour": 12, "minute": 6}
